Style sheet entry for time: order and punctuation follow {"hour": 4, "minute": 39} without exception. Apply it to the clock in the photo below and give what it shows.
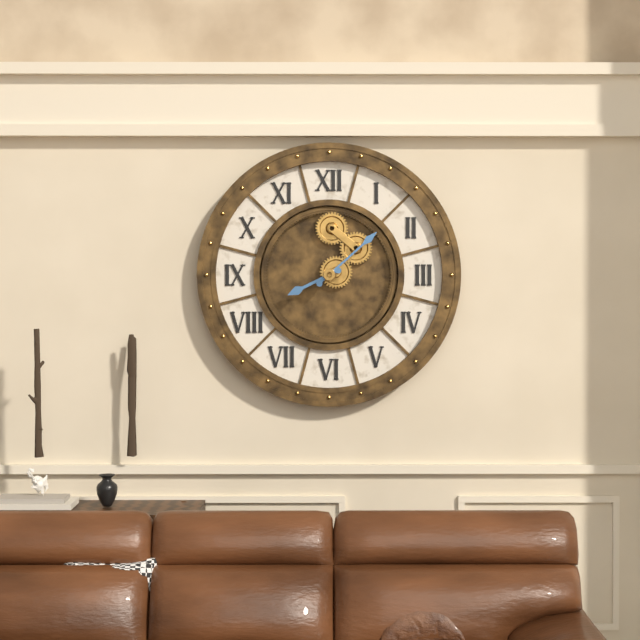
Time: {"hour": 8, "minute": 8}
